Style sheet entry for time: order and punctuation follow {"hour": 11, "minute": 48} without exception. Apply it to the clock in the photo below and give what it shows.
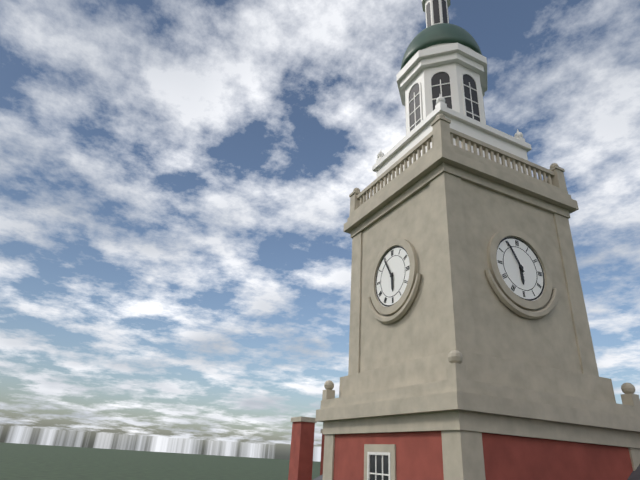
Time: {"hour": 5, "minute": 55}
